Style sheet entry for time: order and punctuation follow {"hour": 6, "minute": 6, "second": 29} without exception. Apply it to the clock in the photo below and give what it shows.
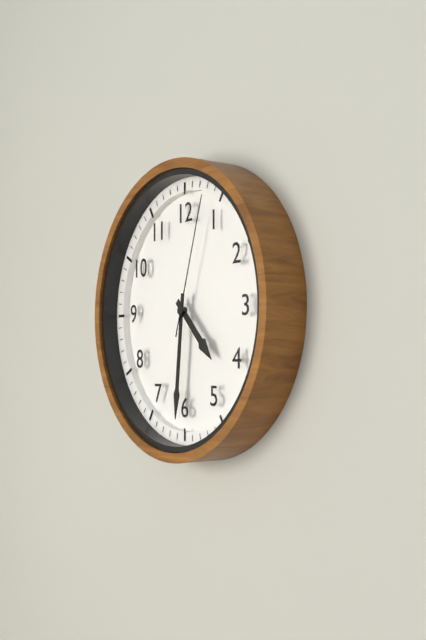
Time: {"hour": 4, "minute": 31, "second": 3}
